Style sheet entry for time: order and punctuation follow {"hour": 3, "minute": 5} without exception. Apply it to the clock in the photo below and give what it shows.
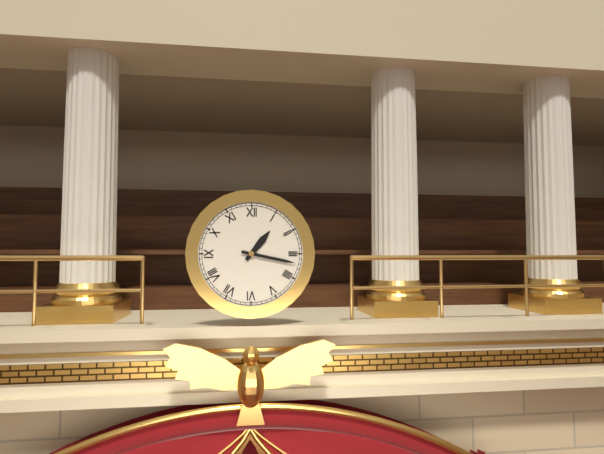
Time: {"hour": 1, "minute": 17}
